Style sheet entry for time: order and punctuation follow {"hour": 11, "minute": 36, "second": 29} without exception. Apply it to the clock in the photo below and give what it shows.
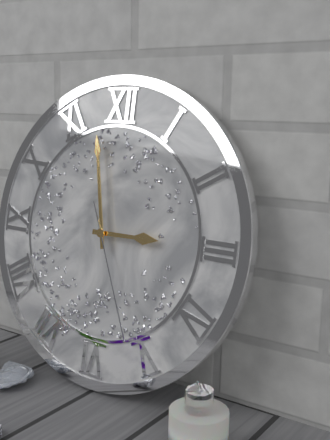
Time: {"hour": 2, "minute": 58, "second": 26}
